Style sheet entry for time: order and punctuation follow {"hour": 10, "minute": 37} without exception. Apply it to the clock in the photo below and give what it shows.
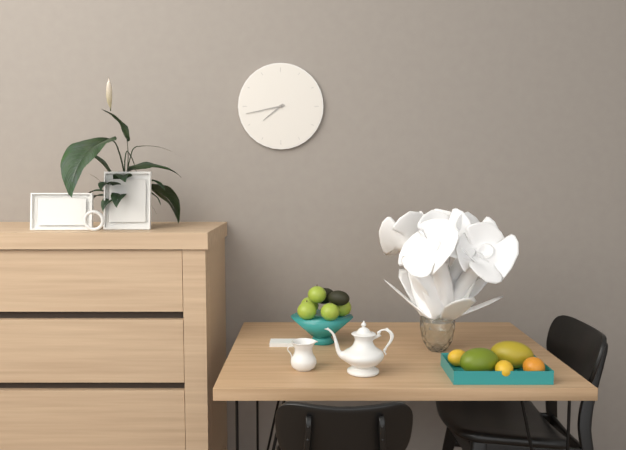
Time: {"hour": 7, "minute": 43}
